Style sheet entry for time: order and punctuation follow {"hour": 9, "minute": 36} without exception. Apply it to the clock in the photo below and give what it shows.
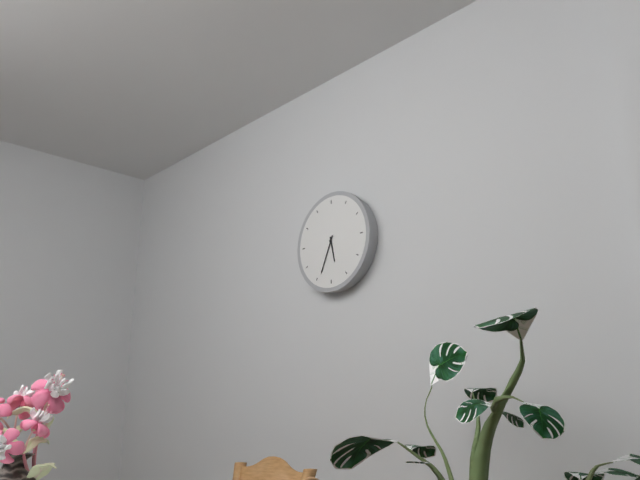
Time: {"hour": 5, "minute": 34}
